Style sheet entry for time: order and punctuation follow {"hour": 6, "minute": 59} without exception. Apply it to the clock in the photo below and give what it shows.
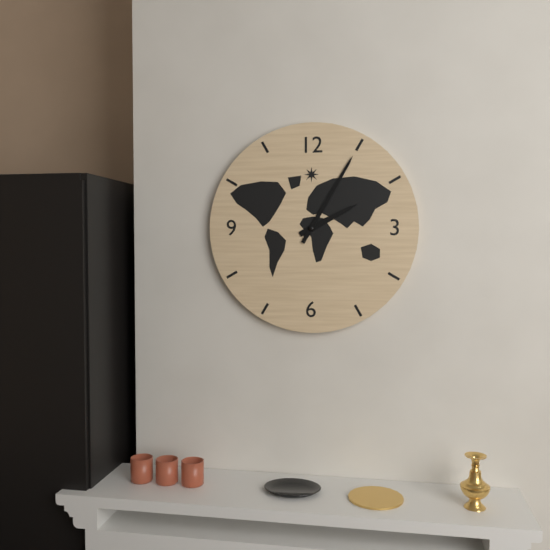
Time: {"hour": 2, "minute": 5}
